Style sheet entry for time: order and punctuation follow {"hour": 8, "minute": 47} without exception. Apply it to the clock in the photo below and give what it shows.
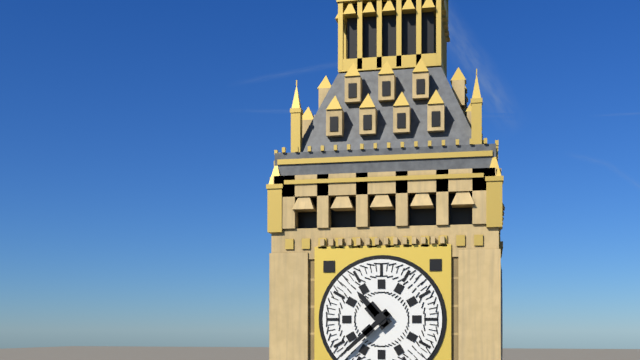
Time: {"hour": 10, "minute": 38}
